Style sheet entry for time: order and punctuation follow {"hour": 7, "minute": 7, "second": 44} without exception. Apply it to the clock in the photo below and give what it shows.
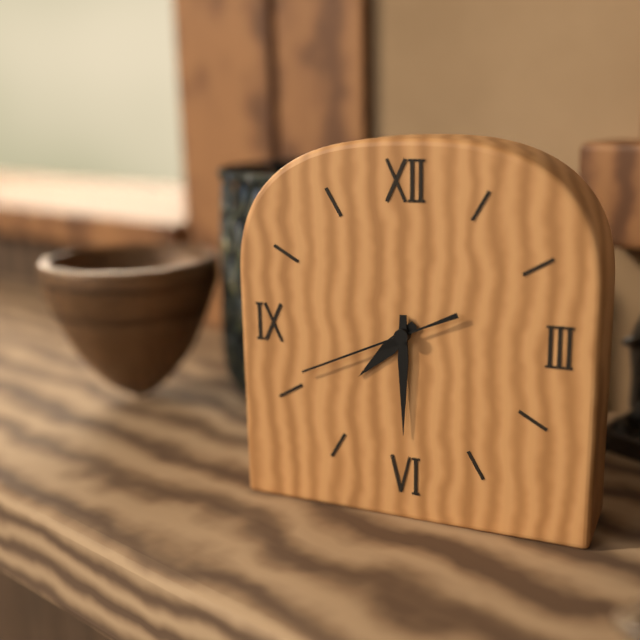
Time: {"hour": 7, "minute": 30, "second": 41}
